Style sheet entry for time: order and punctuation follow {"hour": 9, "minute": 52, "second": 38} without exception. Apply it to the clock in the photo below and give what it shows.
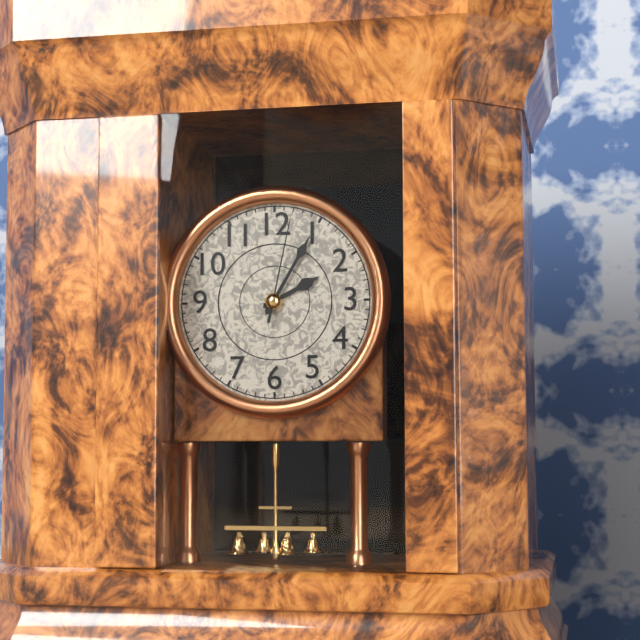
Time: {"hour": 2, "minute": 5, "second": 2}
